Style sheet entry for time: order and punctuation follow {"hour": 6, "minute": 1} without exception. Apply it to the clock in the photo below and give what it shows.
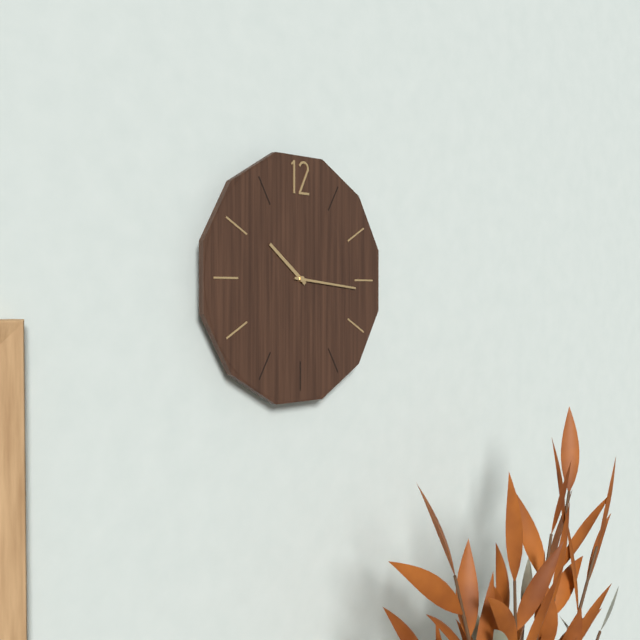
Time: {"hour": 10, "minute": 16}
